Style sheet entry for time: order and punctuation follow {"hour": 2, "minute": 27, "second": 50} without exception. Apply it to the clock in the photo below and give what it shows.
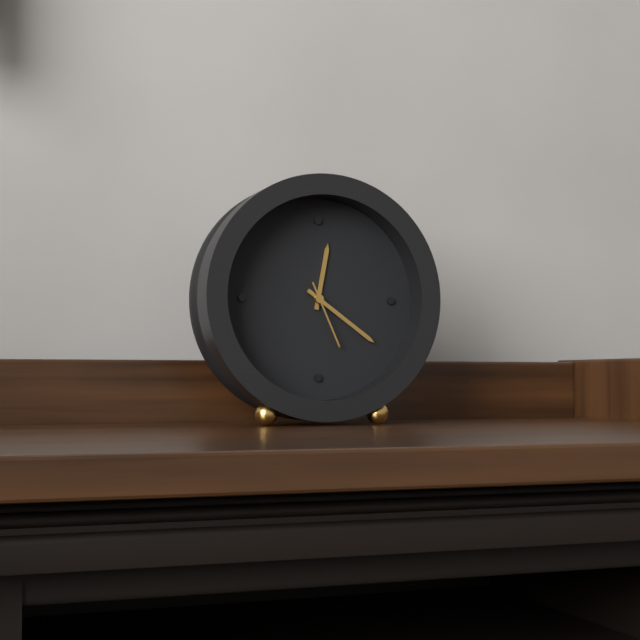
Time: {"hour": 12, "minute": 21, "second": 26}
